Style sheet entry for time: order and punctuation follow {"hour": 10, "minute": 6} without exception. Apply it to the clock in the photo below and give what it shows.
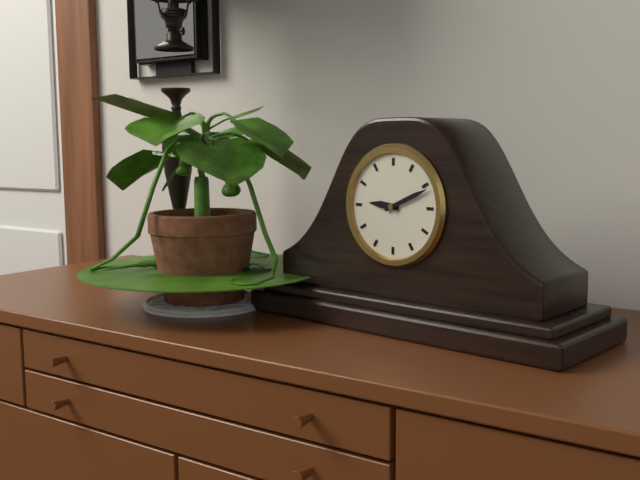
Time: {"hour": 9, "minute": 11}
